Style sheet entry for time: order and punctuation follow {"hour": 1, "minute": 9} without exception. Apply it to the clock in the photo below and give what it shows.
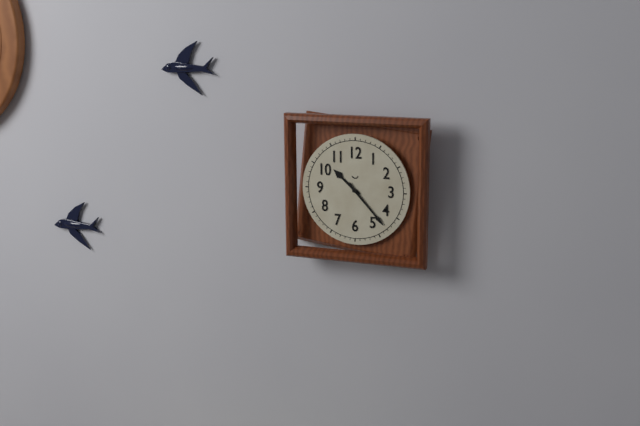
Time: {"hour": 10, "minute": 23}
